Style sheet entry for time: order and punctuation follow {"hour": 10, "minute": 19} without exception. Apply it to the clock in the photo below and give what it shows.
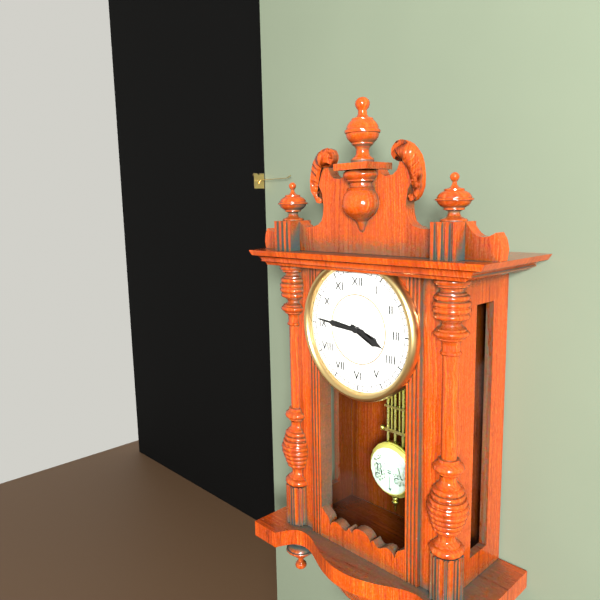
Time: {"hour": 3, "minute": 46}
